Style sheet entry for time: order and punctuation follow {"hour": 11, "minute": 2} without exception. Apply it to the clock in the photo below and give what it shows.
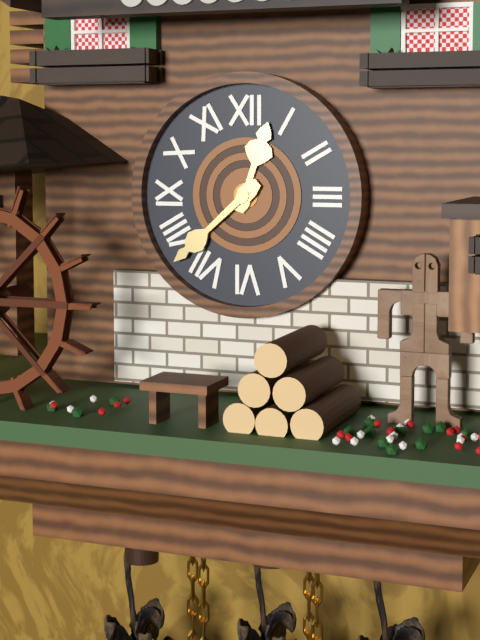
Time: {"hour": 12, "minute": 38}
